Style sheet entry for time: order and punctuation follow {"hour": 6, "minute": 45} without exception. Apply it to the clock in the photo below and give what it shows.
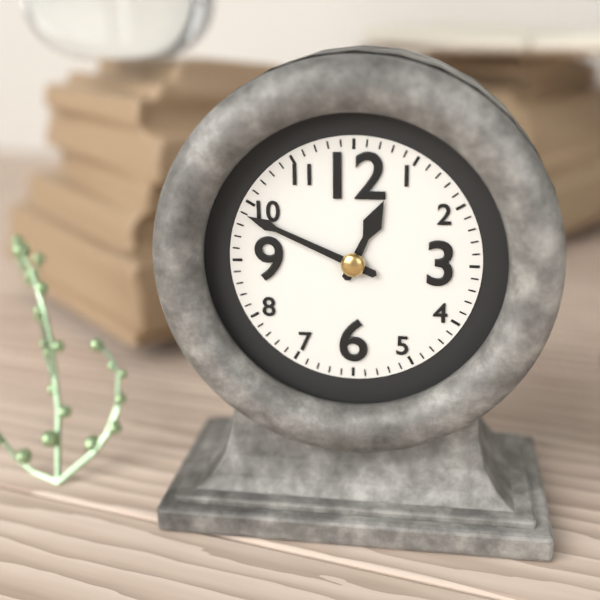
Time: {"hour": 12, "minute": 49}
